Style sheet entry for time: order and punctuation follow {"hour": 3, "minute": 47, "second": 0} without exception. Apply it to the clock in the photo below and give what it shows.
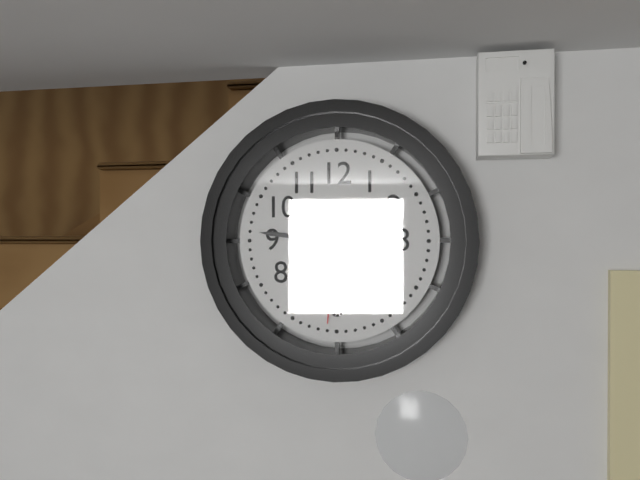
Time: {"hour": 3, "minute": 46, "second": 31}
